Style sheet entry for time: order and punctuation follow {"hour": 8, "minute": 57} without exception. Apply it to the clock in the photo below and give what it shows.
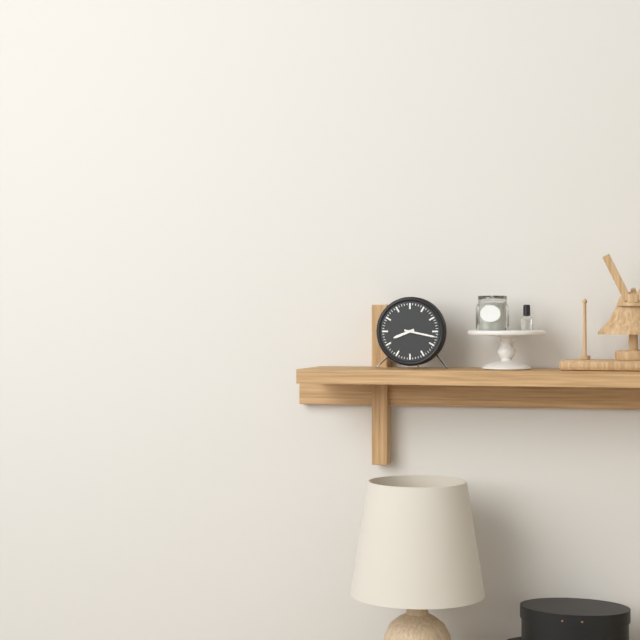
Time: {"hour": 8, "minute": 17}
